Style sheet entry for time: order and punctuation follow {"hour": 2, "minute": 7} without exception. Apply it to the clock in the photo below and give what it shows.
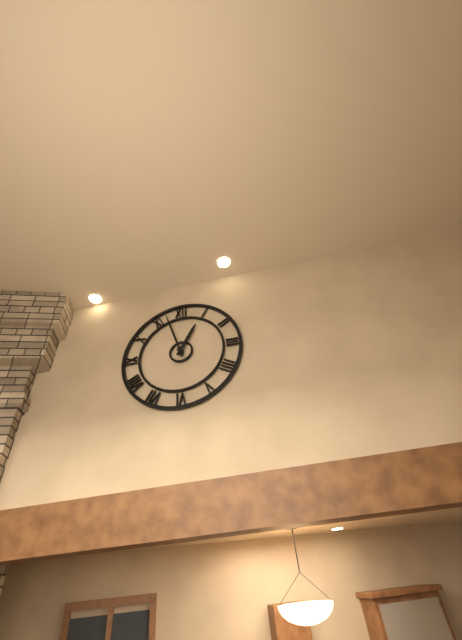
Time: {"hour": 12, "minute": 57}
